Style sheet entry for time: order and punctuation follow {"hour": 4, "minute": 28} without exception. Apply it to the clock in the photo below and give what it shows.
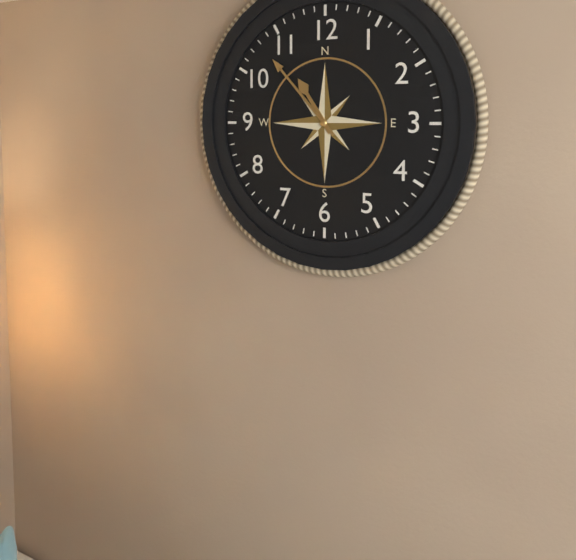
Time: {"hour": 10, "minute": 53}
